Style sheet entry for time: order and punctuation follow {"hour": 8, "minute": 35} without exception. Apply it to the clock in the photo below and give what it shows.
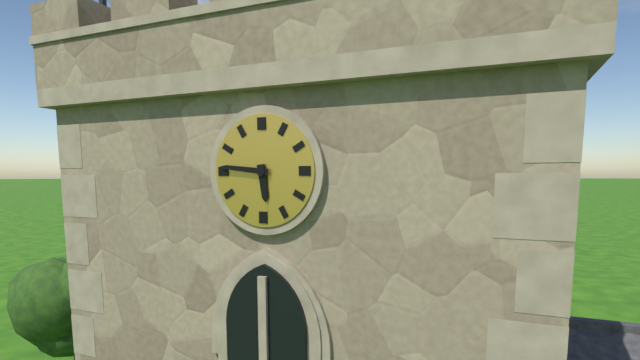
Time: {"hour": 5, "minute": 46}
